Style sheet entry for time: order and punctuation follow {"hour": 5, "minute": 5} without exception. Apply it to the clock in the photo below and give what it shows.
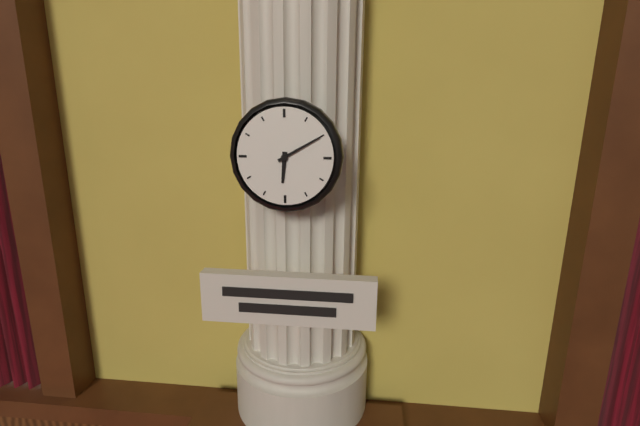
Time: {"hour": 6, "minute": 10}
